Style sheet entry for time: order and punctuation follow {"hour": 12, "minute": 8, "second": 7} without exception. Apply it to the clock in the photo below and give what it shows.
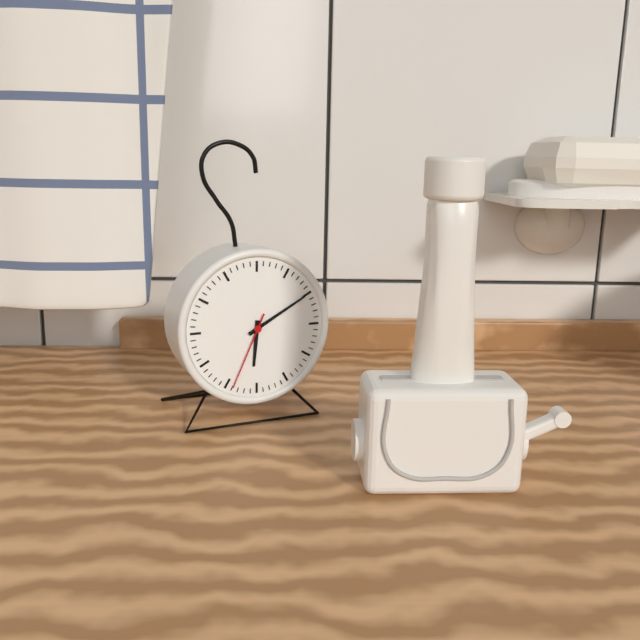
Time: {"hour": 6, "minute": 10, "second": 34}
